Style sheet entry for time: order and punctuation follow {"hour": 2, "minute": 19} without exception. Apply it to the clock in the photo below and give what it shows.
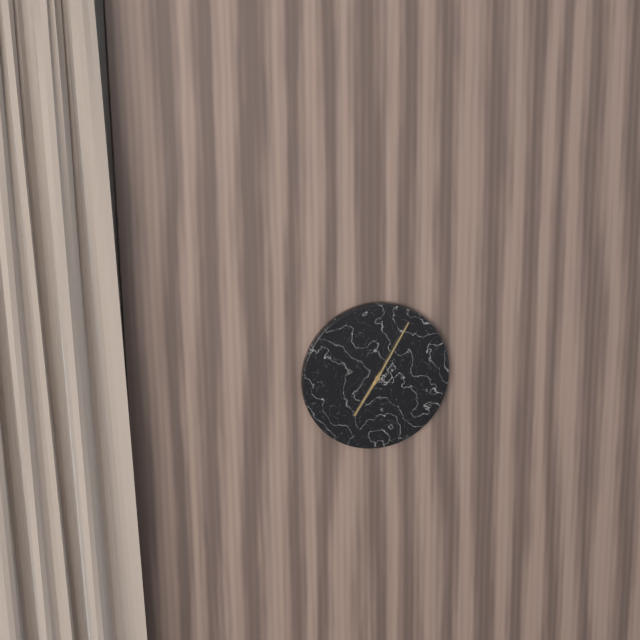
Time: {"hour": 7, "minute": 5}
